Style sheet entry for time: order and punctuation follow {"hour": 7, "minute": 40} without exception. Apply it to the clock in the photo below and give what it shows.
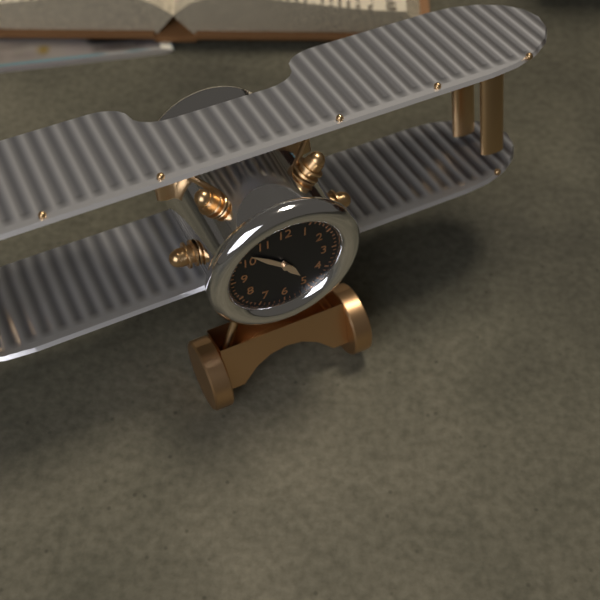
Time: {"hour": 4, "minute": 52}
